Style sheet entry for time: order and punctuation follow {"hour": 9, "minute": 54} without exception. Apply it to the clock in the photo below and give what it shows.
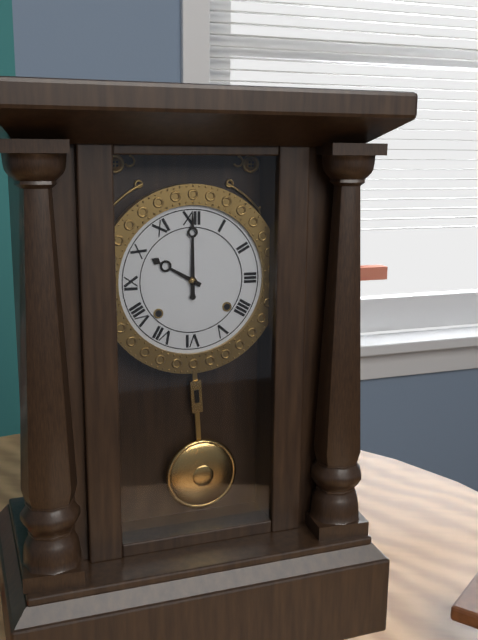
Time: {"hour": 10, "minute": 0}
